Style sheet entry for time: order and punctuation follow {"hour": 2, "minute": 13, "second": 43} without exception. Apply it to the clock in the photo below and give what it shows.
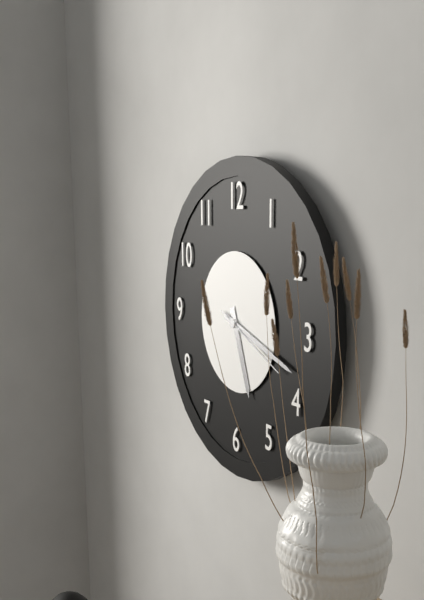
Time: {"hour": 5, "minute": 18, "second": 19}
